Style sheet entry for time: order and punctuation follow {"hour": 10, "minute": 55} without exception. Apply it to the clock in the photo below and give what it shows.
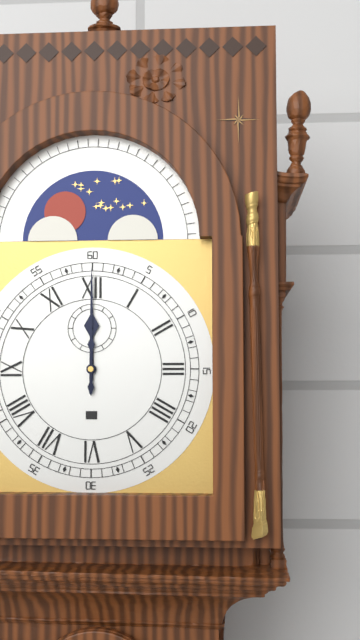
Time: {"hour": 12, "minute": 0}
